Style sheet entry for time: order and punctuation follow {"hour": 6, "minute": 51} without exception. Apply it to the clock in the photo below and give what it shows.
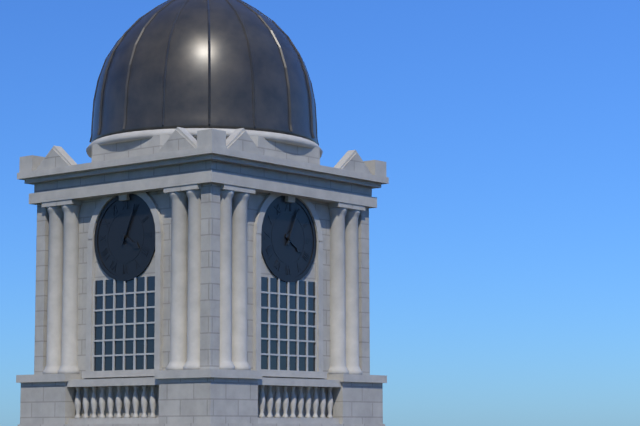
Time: {"hour": 4, "minute": 4}
